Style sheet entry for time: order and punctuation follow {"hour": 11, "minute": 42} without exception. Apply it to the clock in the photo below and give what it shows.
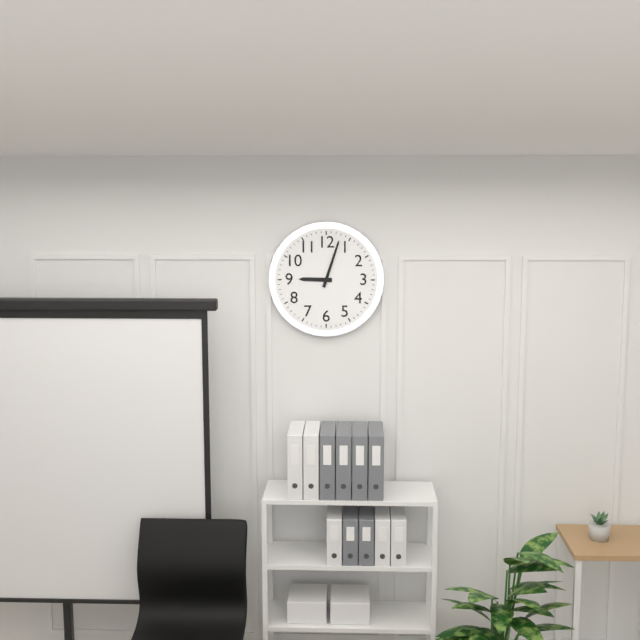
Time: {"hour": 9, "minute": 3}
